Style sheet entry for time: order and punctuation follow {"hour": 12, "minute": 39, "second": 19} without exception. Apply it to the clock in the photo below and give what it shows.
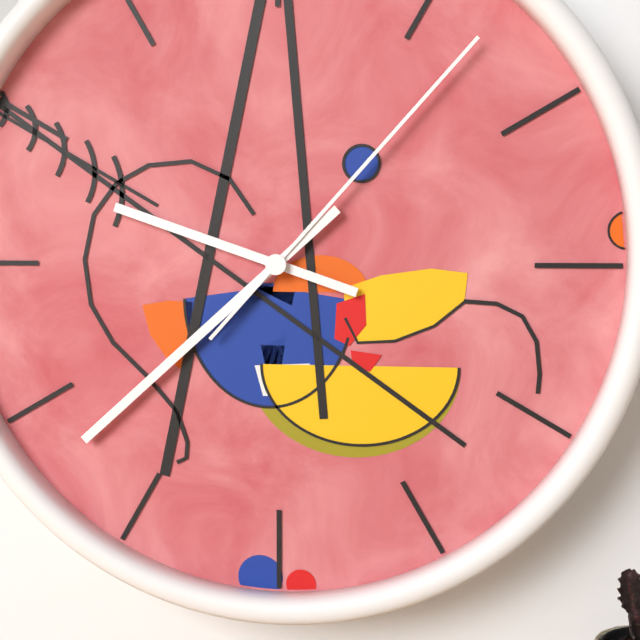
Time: {"hour": 9, "minute": 38, "second": 7}
